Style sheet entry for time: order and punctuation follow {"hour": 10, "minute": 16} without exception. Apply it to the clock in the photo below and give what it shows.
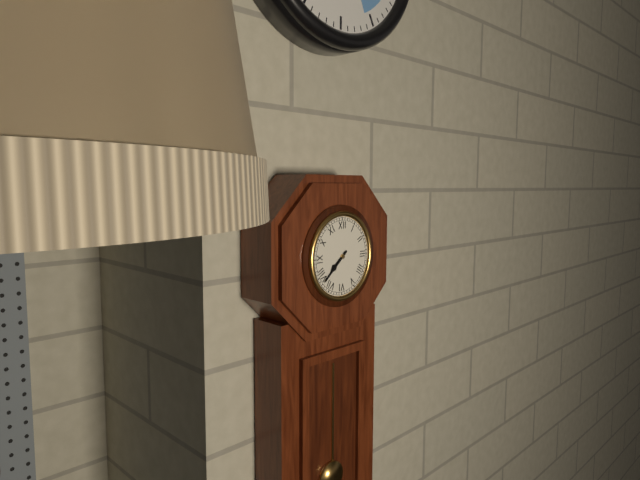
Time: {"hour": 7, "minute": 38}
